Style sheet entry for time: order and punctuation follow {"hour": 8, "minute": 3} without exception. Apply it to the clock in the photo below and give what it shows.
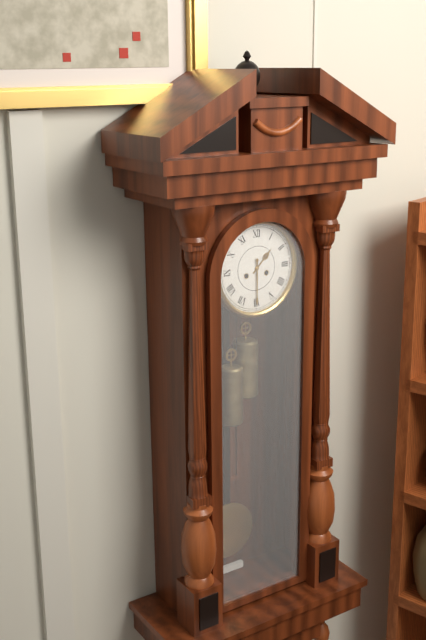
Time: {"hour": 1, "minute": 30}
